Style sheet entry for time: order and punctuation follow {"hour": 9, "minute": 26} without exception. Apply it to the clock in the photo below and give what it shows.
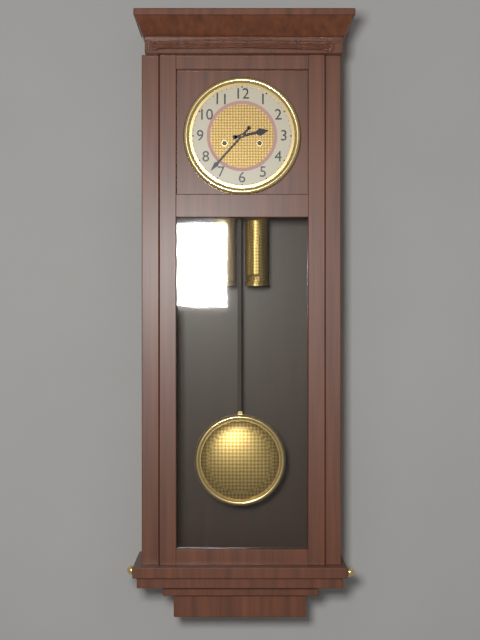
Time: {"hour": 2, "minute": 37}
